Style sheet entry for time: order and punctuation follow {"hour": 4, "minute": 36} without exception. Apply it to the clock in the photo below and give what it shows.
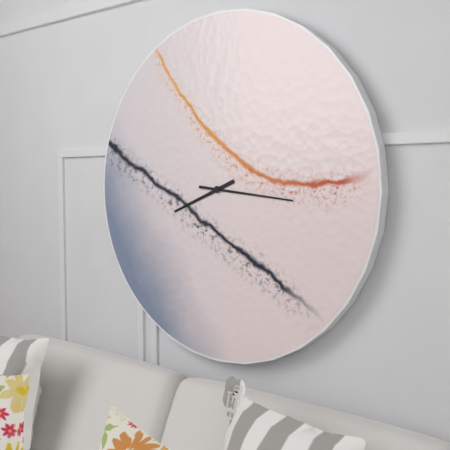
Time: {"hour": 8, "minute": 16}
